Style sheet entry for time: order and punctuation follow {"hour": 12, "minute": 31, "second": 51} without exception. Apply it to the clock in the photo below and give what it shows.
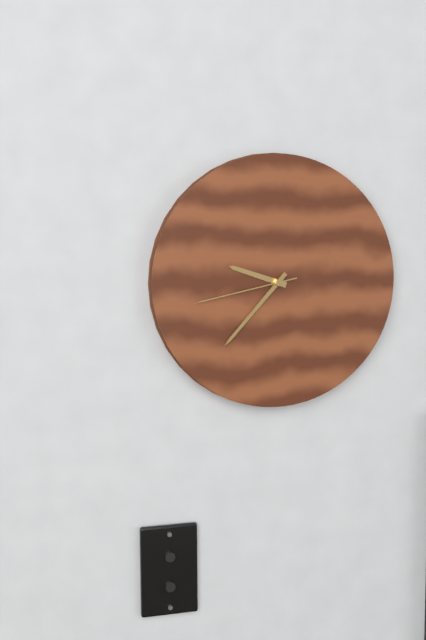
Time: {"hour": 9, "minute": 37, "second": 43}
